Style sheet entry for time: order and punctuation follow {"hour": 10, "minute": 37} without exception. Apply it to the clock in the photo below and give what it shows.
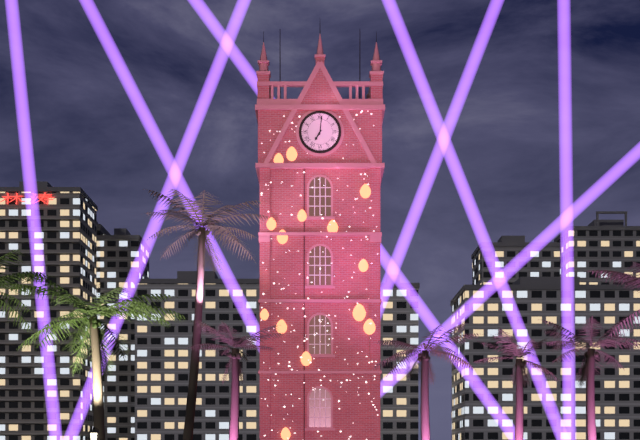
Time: {"hour": 7, "minute": 1}
